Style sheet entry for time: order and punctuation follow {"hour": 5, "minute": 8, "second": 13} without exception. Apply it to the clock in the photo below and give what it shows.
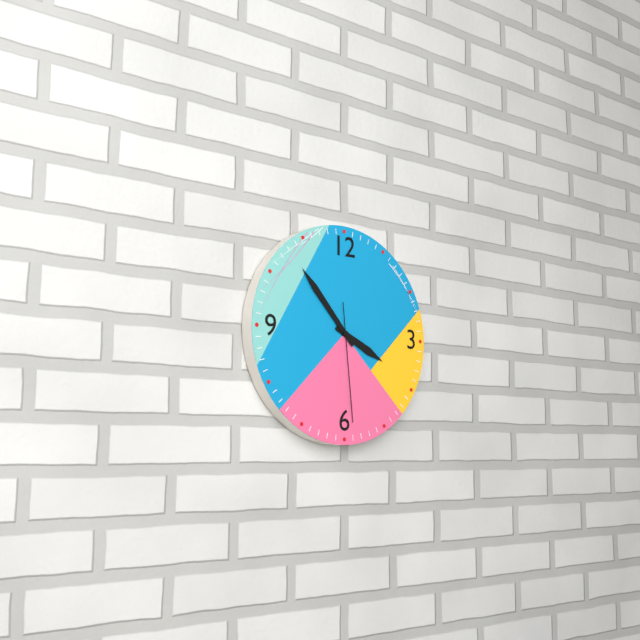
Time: {"hour": 3, "minute": 53, "second": 29}
